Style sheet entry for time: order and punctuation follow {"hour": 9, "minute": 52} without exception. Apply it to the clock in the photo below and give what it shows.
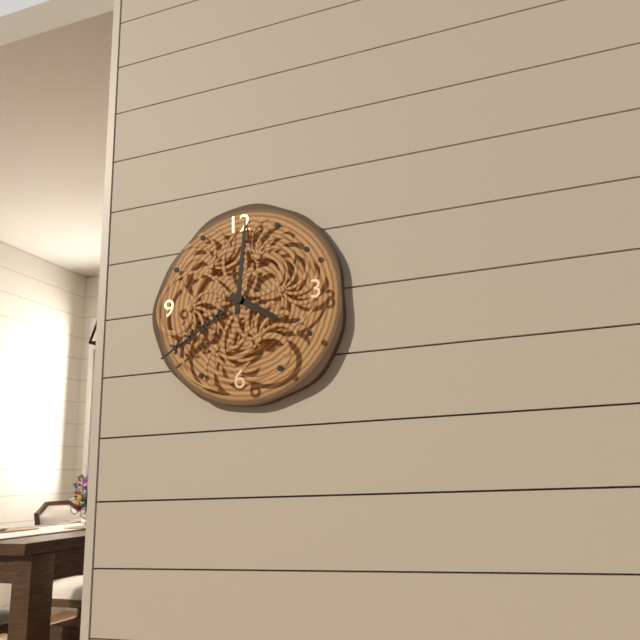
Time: {"hour": 4, "minute": 1}
